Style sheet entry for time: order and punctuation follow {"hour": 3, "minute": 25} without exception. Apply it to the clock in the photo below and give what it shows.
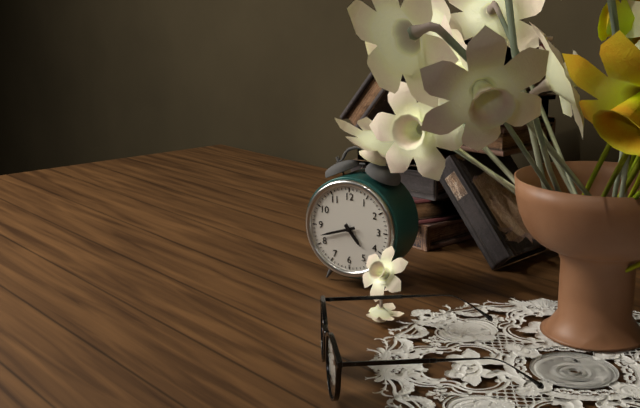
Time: {"hour": 4, "minute": 42}
